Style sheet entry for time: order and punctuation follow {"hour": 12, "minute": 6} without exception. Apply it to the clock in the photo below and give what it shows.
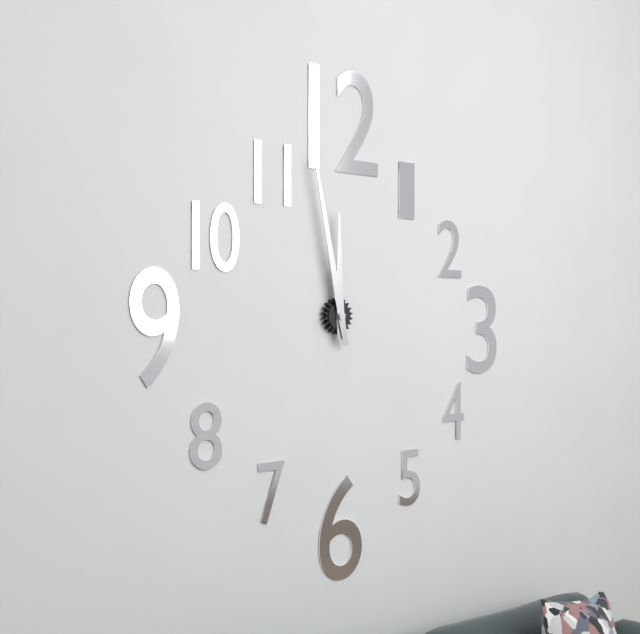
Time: {"hour": 11, "minute": 58}
